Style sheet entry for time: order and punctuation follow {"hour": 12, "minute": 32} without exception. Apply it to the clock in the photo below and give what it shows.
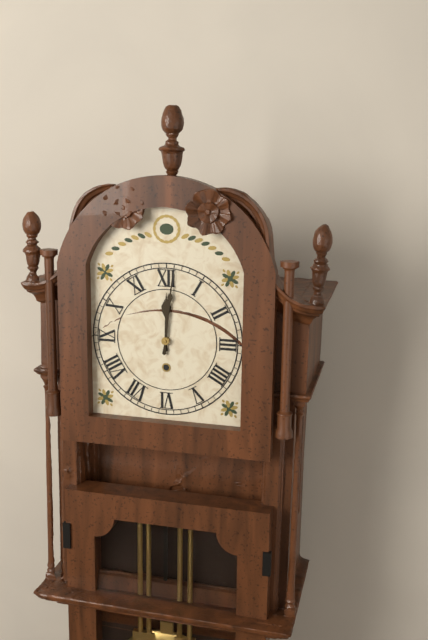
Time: {"hour": 12, "minute": 1}
